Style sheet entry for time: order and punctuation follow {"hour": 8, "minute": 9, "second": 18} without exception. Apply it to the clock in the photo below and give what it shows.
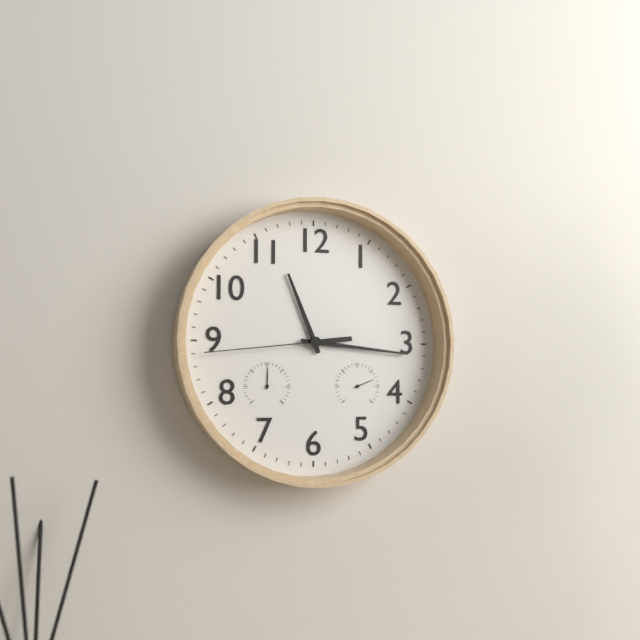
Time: {"hour": 11, "minute": 16, "second": 44}
